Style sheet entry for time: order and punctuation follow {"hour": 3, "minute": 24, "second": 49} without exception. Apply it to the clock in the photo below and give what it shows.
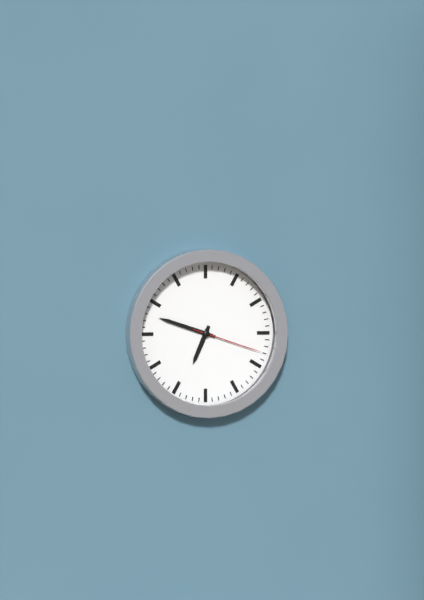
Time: {"hour": 6, "minute": 48, "second": 18}
